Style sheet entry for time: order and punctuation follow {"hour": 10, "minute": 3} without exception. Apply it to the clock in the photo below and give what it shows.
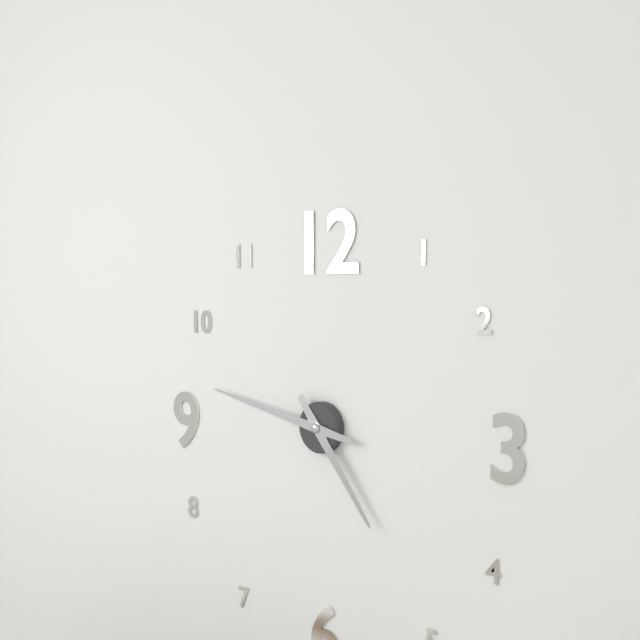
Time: {"hour": 4, "minute": 47}
